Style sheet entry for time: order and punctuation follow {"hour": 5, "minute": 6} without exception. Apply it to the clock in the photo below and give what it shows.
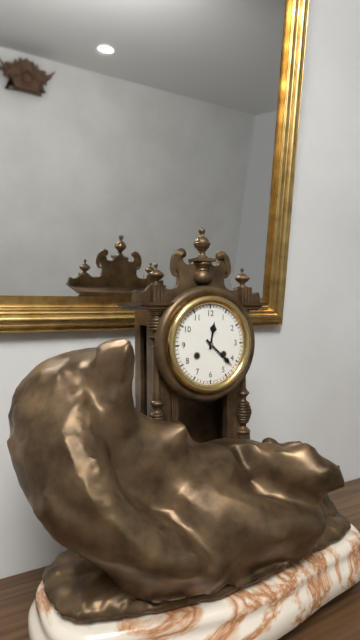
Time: {"hour": 12, "minute": 22}
